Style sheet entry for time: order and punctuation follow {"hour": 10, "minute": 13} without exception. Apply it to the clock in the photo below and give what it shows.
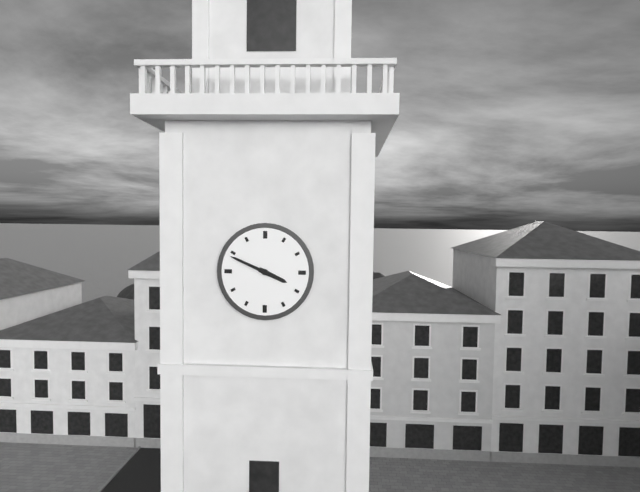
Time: {"hour": 3, "minute": 49}
